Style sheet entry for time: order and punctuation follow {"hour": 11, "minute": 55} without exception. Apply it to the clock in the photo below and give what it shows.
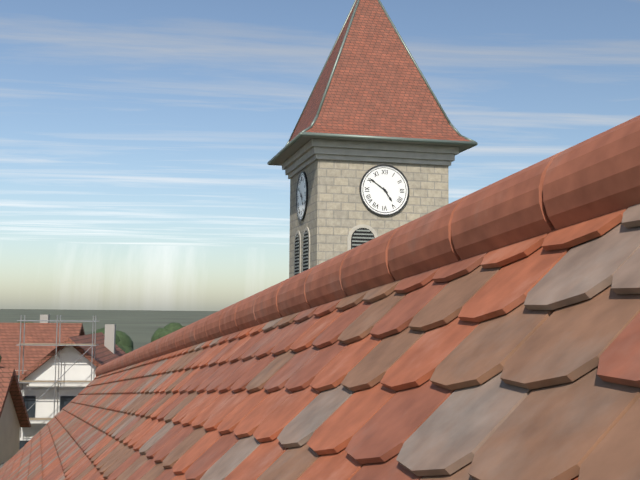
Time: {"hour": 4, "minute": 51}
